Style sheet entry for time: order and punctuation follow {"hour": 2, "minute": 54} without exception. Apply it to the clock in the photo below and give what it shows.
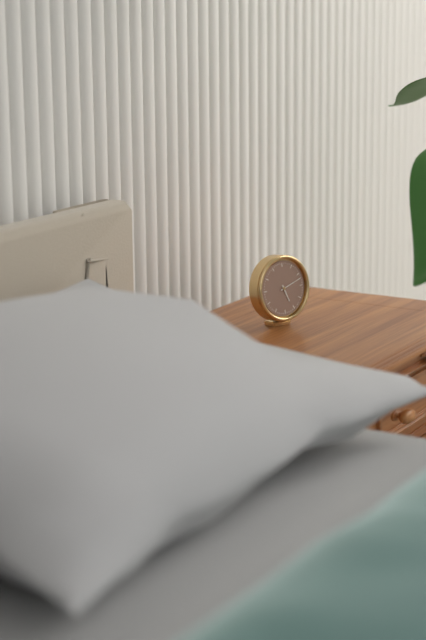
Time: {"hour": 5, "minute": 12}
